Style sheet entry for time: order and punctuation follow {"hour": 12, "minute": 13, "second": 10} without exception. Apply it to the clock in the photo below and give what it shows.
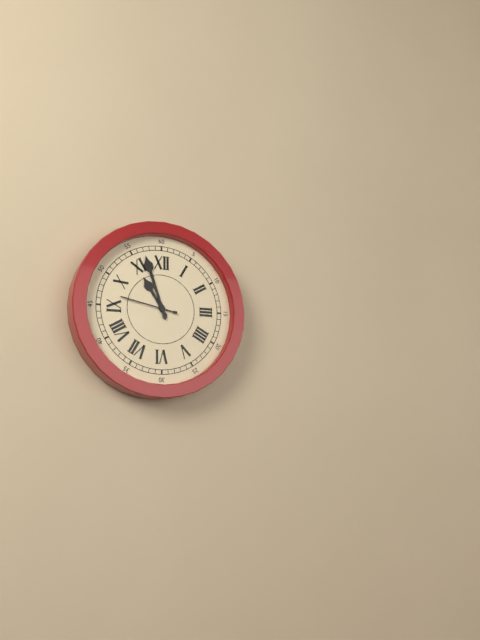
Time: {"hour": 10, "minute": 57, "second": 47}
